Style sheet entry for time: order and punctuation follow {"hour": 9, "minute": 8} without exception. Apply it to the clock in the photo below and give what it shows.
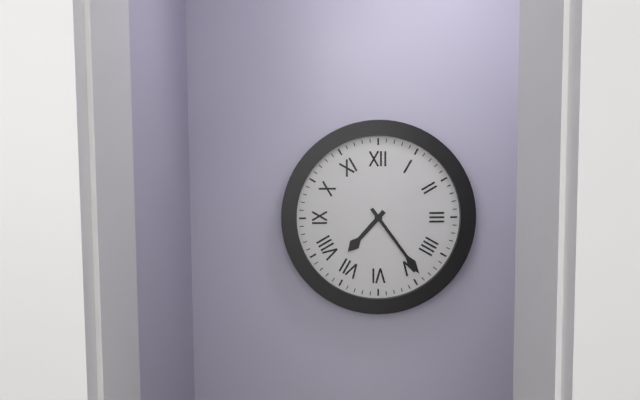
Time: {"hour": 7, "minute": 24}
